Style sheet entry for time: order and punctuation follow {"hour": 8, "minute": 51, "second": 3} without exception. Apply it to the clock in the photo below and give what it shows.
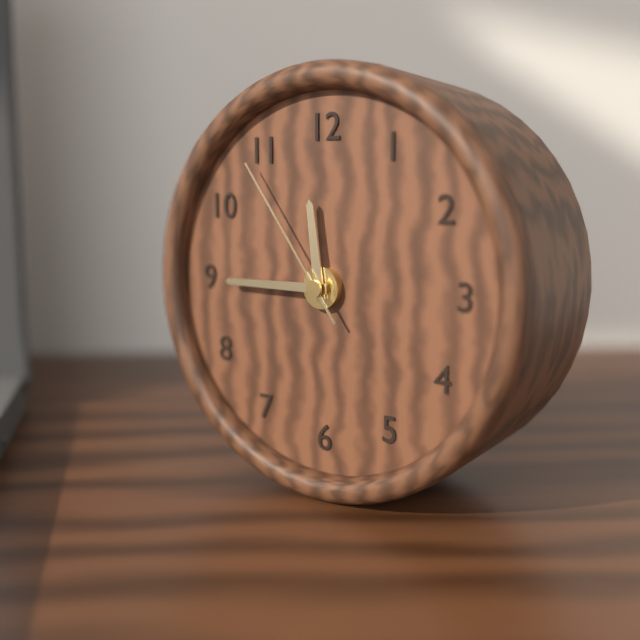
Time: {"hour": 11, "minute": 45, "second": 54}
